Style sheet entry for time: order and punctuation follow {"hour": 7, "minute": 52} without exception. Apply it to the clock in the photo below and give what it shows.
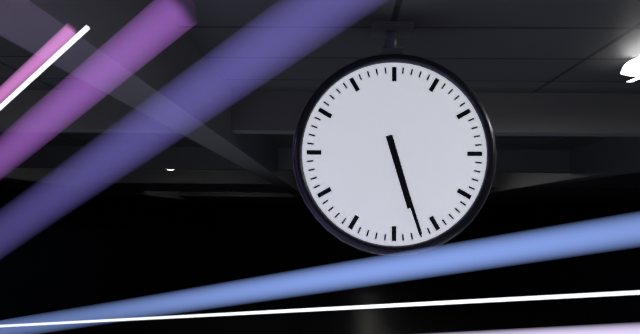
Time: {"hour": 5, "minute": 27}
